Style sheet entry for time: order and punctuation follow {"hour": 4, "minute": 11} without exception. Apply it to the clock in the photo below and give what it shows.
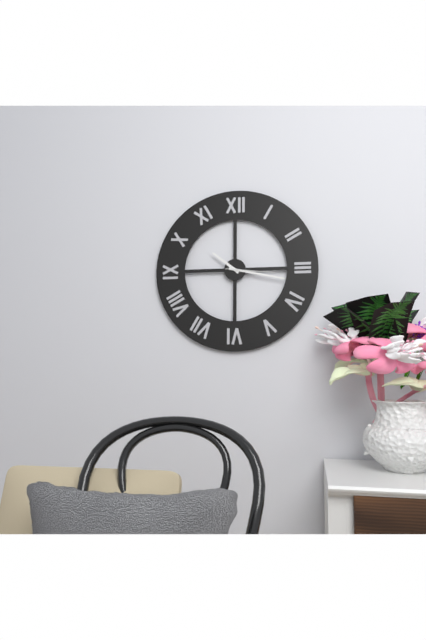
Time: {"hour": 10, "minute": 17}
